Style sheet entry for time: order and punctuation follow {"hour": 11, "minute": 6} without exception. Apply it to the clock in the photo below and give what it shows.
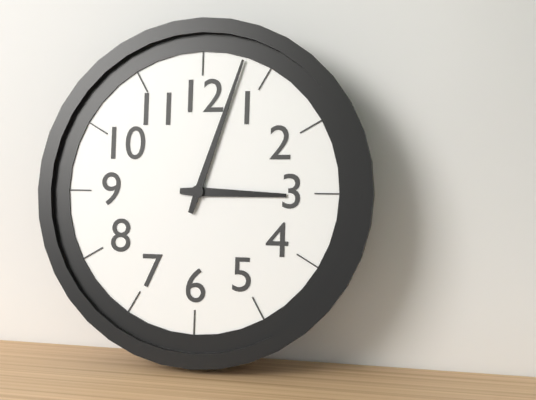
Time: {"hour": 3, "minute": 3}
